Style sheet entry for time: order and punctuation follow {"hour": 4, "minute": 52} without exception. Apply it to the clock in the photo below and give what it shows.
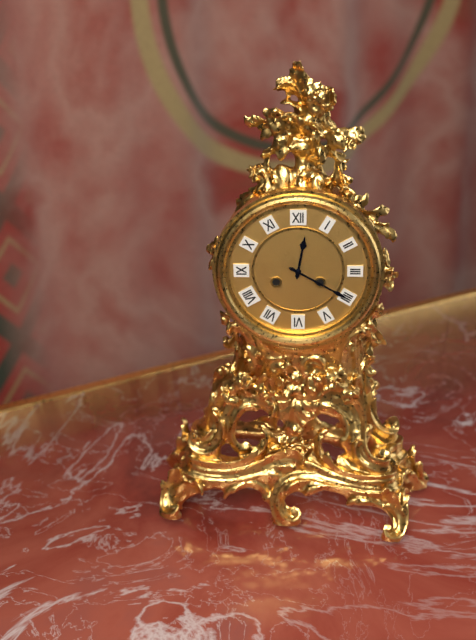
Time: {"hour": 12, "minute": 20}
